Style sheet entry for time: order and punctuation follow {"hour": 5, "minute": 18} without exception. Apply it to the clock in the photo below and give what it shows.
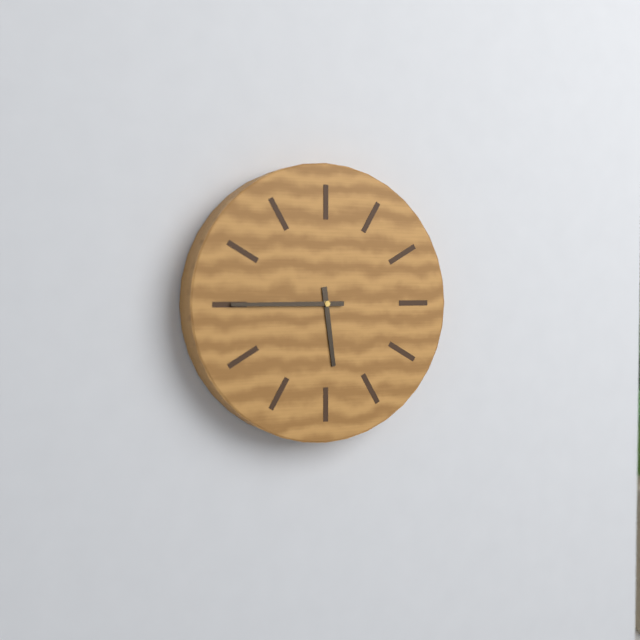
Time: {"hour": 5, "minute": 45}
